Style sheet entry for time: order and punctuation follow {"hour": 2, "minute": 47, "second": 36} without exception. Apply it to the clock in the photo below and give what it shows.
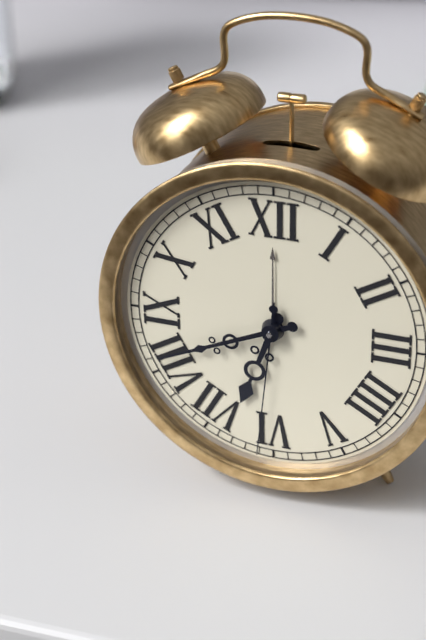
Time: {"hour": 6, "minute": 41, "second": 31}
